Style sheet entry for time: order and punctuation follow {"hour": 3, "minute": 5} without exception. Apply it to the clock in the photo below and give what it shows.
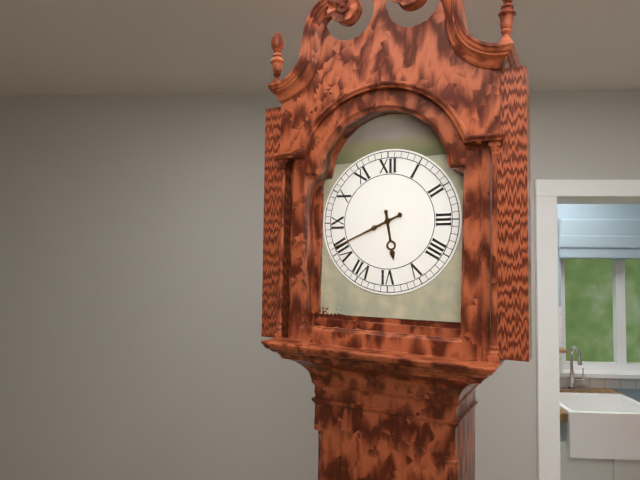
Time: {"hour": 5, "minute": 41}
